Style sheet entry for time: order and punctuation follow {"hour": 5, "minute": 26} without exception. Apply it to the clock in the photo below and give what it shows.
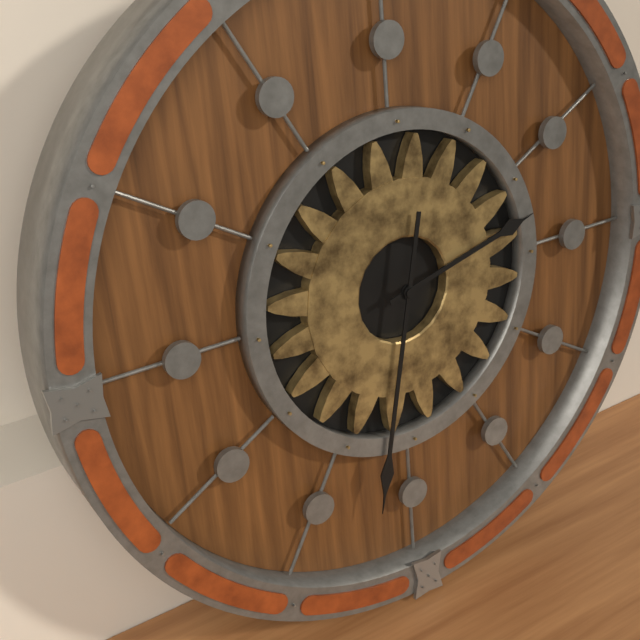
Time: {"hour": 2, "minute": 32}
